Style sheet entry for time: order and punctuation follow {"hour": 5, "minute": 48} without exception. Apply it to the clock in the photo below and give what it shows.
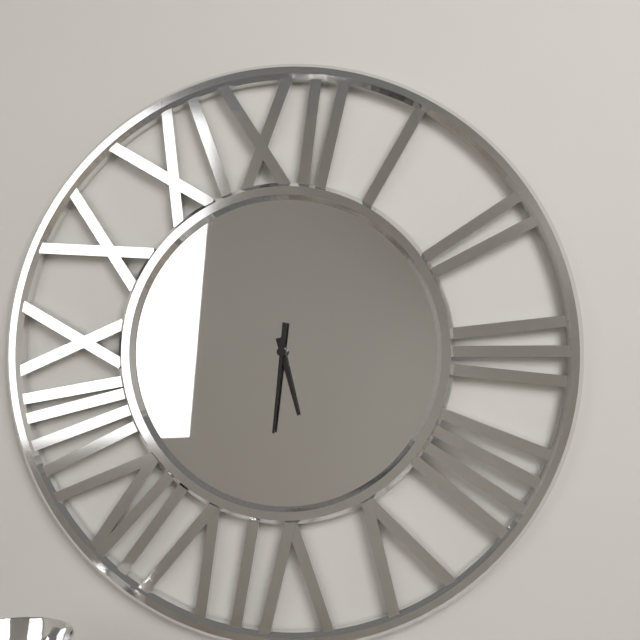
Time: {"hour": 5, "minute": 31}
